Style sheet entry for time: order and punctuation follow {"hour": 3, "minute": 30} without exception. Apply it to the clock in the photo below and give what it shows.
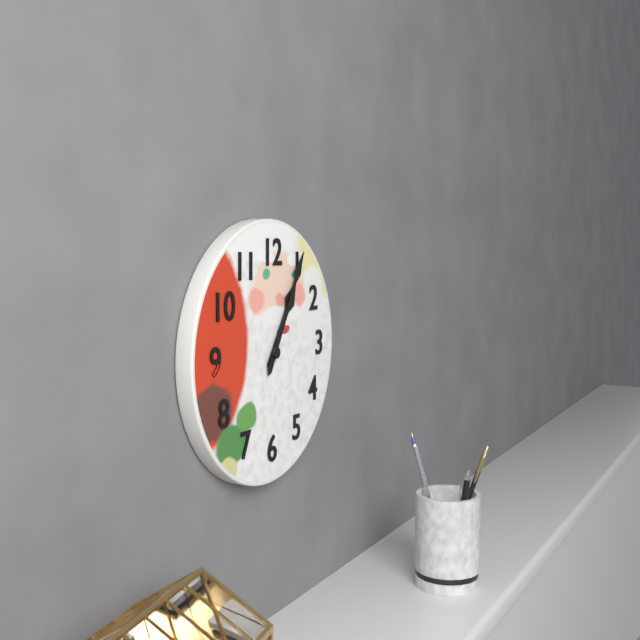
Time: {"hour": 1, "minute": 5}
